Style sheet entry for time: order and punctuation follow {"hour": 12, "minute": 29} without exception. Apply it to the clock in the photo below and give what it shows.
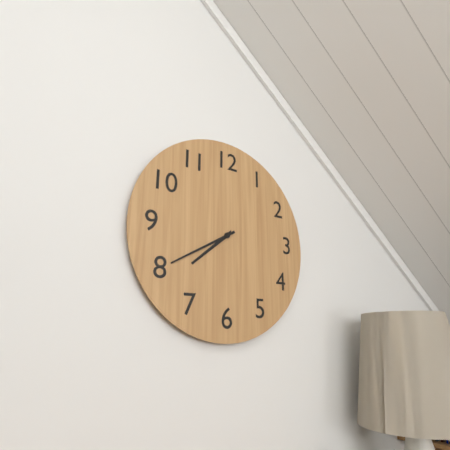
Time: {"hour": 7, "minute": 40}
